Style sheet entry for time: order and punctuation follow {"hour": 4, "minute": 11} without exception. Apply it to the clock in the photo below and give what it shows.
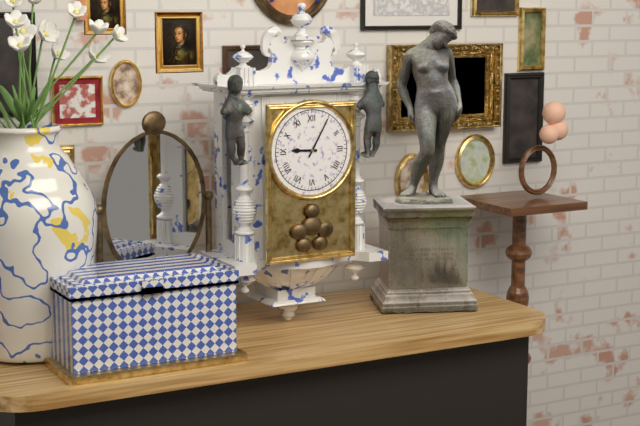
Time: {"hour": 9, "minute": 5}
